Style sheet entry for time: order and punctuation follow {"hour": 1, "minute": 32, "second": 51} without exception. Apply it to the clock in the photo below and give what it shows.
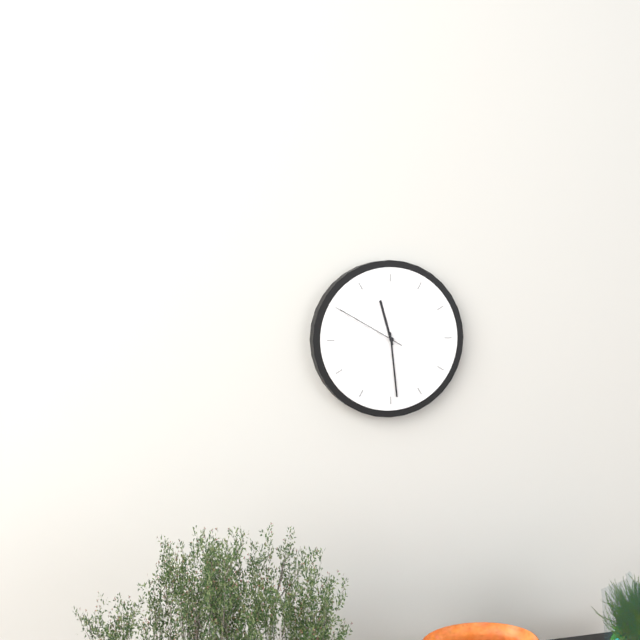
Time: {"hour": 11, "minute": 29, "second": 50}
